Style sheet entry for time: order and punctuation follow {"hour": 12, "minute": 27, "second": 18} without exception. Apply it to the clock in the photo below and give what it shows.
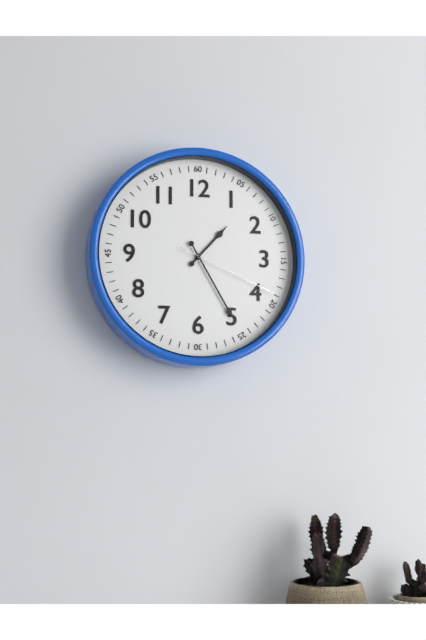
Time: {"hour": 1, "minute": 25, "second": 19}
